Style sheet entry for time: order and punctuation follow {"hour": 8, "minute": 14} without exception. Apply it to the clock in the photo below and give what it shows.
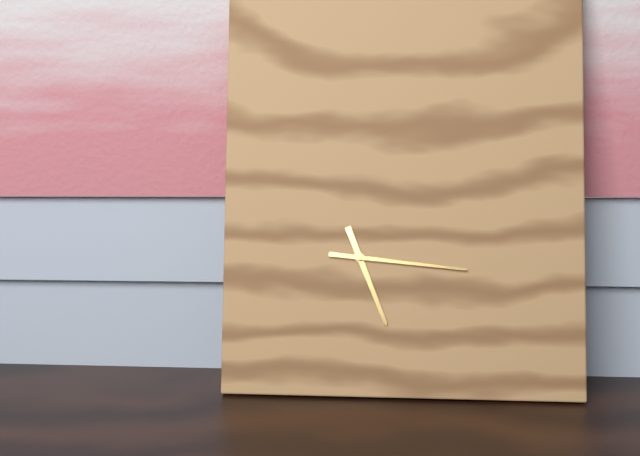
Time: {"hour": 5, "minute": 16}
